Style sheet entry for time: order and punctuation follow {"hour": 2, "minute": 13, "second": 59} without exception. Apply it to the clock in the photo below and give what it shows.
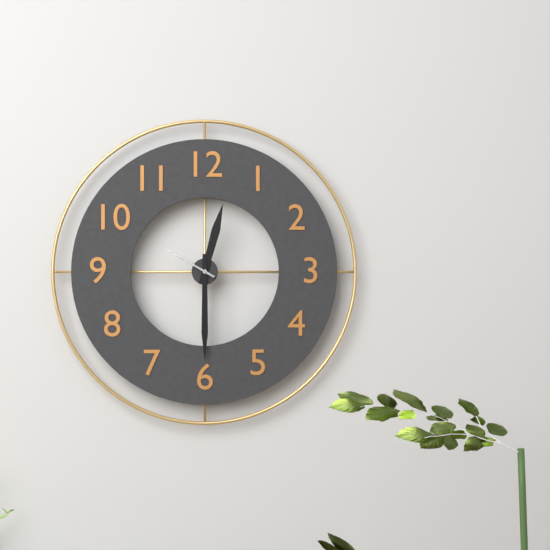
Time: {"hour": 12, "minute": 30, "second": 50}
